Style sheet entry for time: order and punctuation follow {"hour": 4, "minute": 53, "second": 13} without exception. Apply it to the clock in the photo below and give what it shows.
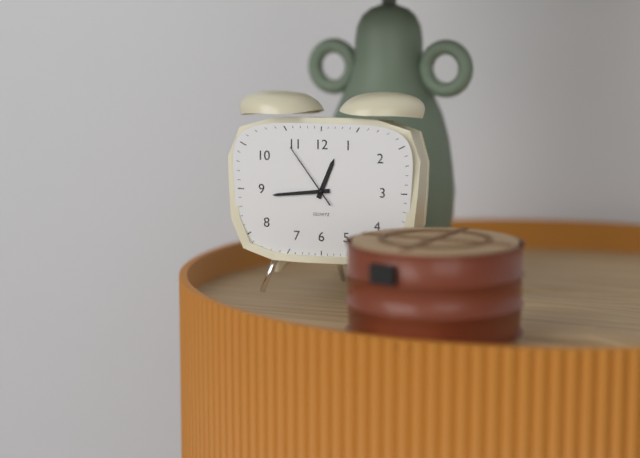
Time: {"hour": 12, "minute": 44, "second": 54}
